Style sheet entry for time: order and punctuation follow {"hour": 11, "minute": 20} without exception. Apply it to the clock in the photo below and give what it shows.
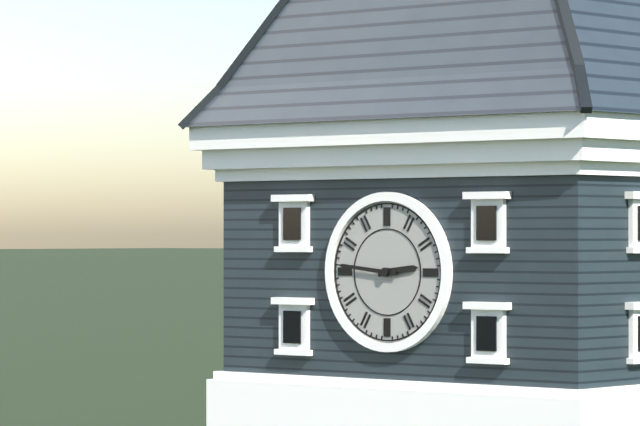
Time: {"hour": 2, "minute": 46}
